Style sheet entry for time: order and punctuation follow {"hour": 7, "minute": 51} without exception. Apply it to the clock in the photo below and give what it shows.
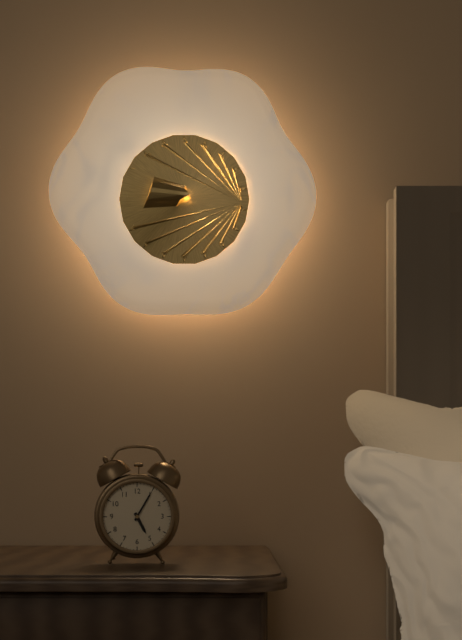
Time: {"hour": 5, "minute": 5}
